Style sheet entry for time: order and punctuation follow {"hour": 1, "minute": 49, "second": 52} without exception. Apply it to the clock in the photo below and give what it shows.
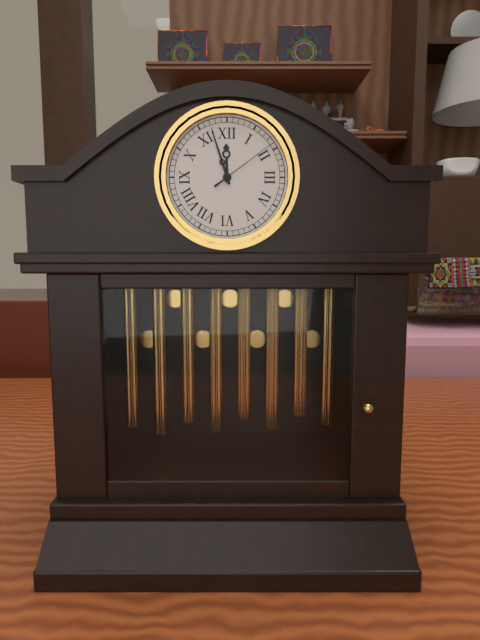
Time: {"hour": 11, "minute": 57, "second": 9}
